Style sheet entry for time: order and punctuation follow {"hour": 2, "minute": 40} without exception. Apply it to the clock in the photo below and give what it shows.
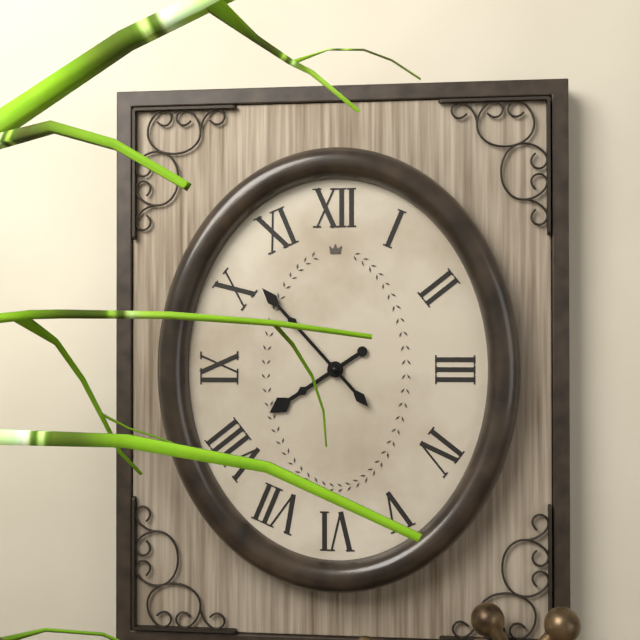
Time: {"hour": 7, "minute": 53}
